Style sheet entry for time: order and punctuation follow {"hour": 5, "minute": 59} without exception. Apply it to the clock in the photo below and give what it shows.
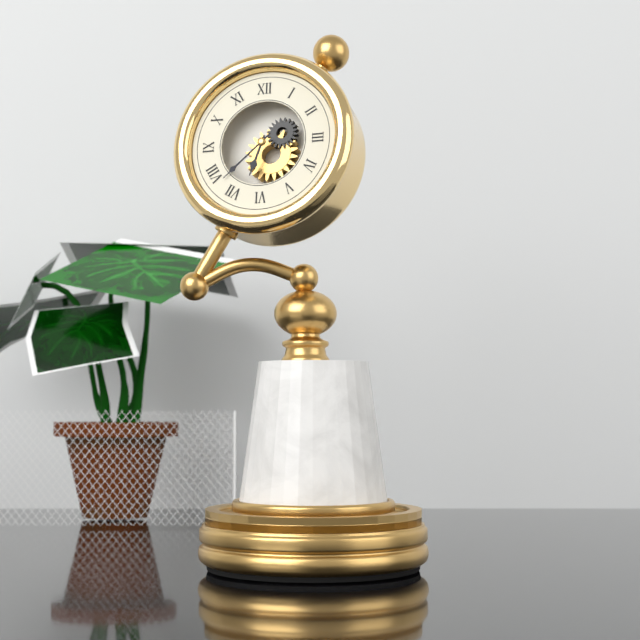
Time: {"hour": 6, "minute": 38}
